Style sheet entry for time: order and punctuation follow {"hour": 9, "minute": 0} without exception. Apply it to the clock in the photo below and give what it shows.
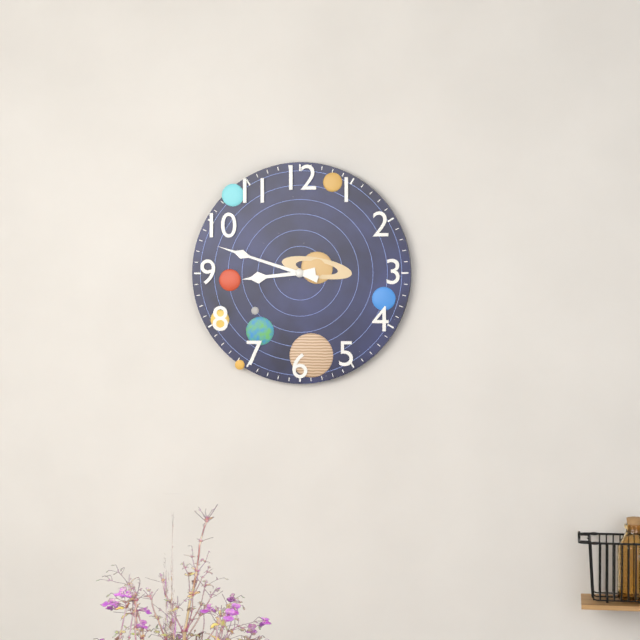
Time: {"hour": 8, "minute": 48}
